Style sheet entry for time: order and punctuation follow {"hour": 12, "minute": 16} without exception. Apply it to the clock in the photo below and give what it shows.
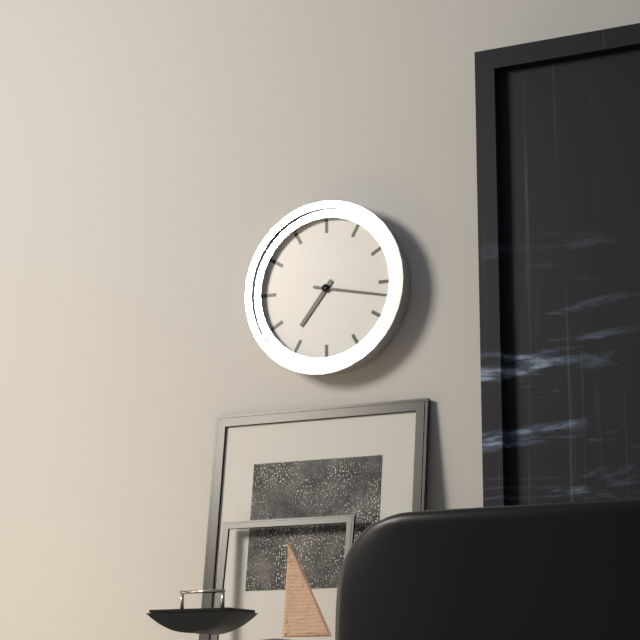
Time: {"hour": 7, "minute": 17}
